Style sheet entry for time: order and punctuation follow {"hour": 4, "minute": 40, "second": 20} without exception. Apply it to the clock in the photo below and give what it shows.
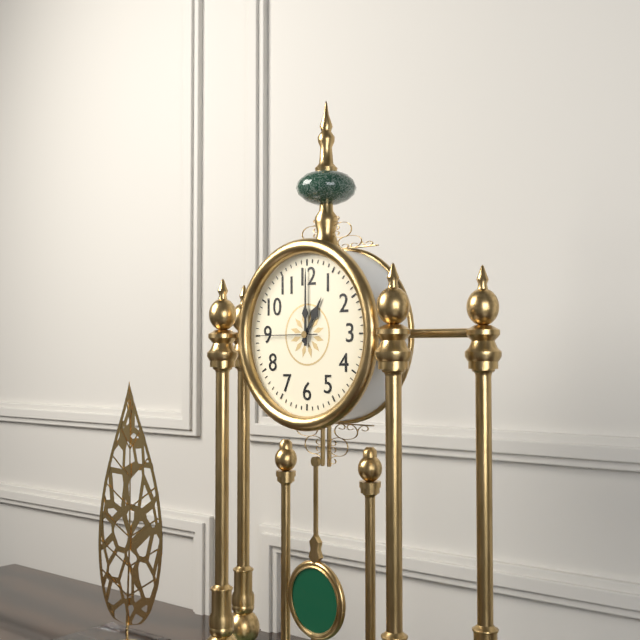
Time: {"hour": 1, "minute": 0, "second": 45}
